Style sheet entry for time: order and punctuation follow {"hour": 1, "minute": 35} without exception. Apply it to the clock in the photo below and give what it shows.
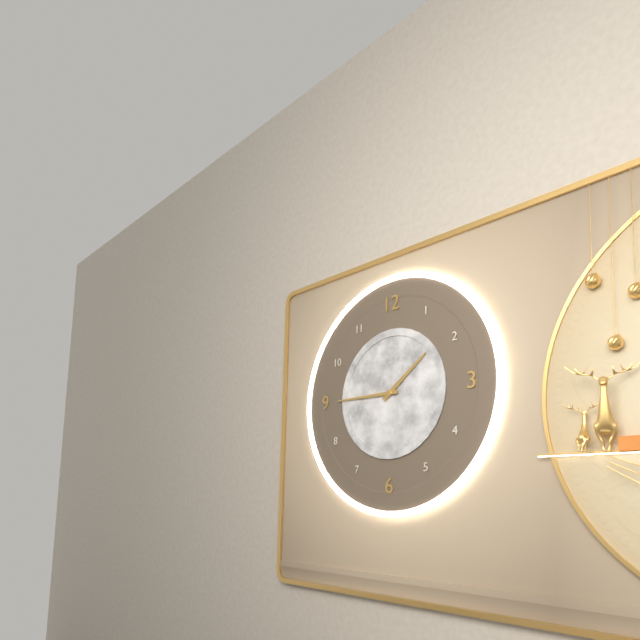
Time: {"hour": 1, "minute": 45}
